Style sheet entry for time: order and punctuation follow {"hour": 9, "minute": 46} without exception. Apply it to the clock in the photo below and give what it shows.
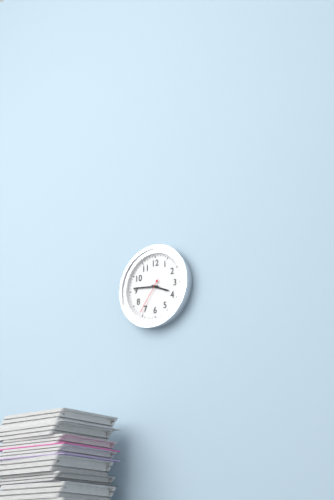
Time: {"hour": 3, "minute": 46}
